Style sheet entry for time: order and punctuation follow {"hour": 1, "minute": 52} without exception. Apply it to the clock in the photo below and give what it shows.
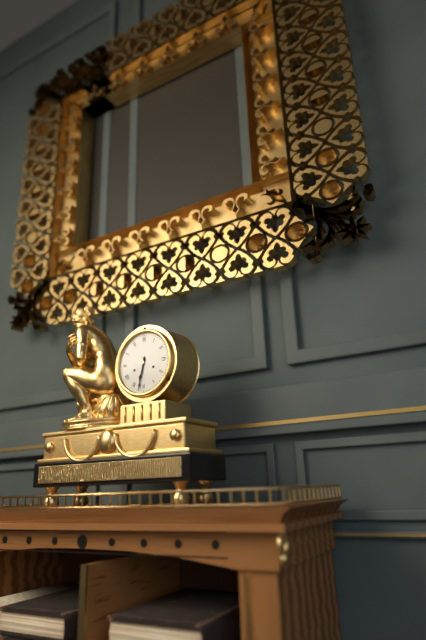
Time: {"hour": 6, "minute": 32}
